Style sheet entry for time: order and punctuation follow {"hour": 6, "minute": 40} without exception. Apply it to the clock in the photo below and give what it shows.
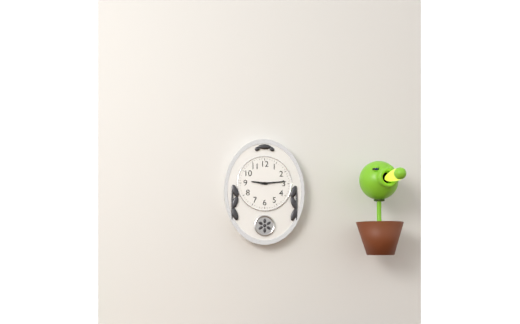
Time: {"hour": 9, "minute": 14}
